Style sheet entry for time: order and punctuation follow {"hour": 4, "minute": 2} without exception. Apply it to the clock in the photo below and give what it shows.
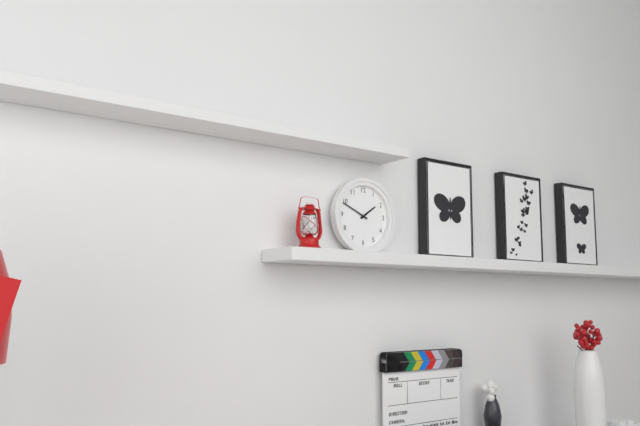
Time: {"hour": 1, "minute": 49}
